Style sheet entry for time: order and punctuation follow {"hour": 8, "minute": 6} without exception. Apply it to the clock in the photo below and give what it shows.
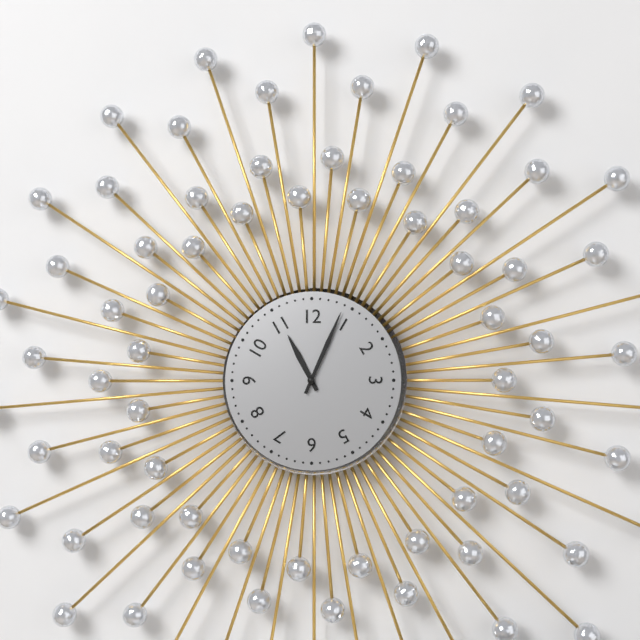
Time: {"hour": 11, "minute": 4}
